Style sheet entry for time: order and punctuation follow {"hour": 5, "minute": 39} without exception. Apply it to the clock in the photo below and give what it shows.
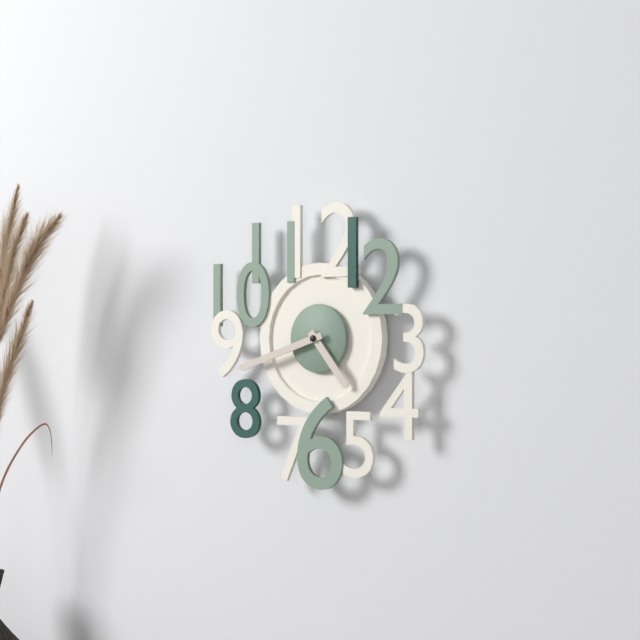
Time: {"hour": 4, "minute": 42}
